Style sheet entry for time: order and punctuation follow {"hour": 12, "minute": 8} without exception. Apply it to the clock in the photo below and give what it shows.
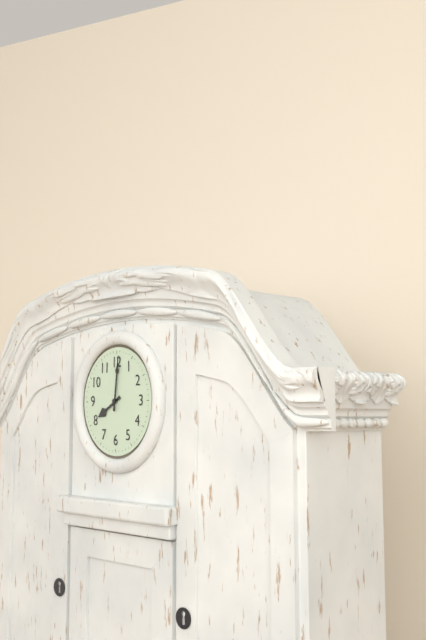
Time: {"hour": 8, "minute": 1}
